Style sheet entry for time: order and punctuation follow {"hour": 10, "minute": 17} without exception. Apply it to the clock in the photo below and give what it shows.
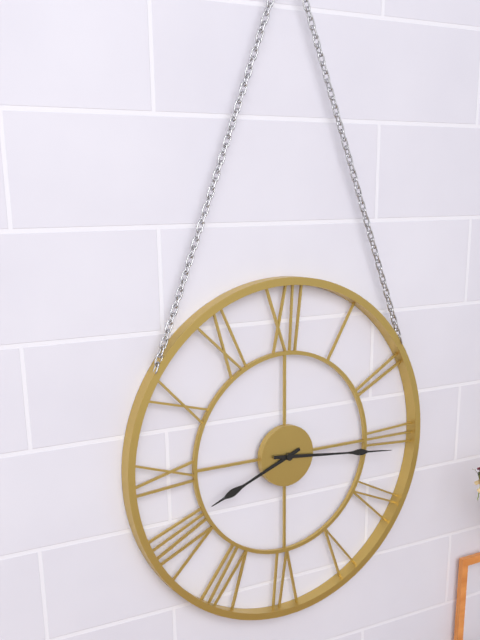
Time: {"hour": 8, "minute": 16}
